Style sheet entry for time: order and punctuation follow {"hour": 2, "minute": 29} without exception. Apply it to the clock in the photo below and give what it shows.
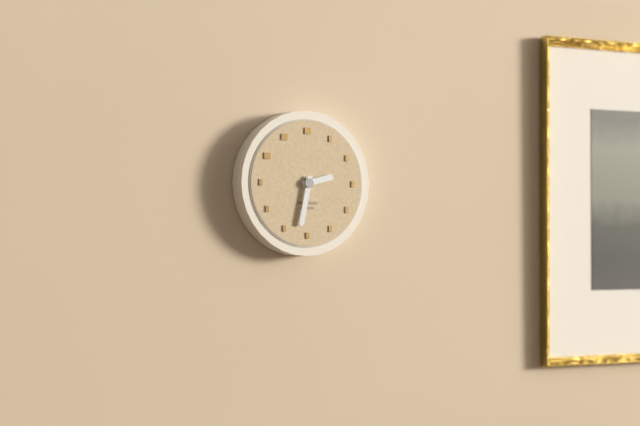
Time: {"hour": 2, "minute": 32}
